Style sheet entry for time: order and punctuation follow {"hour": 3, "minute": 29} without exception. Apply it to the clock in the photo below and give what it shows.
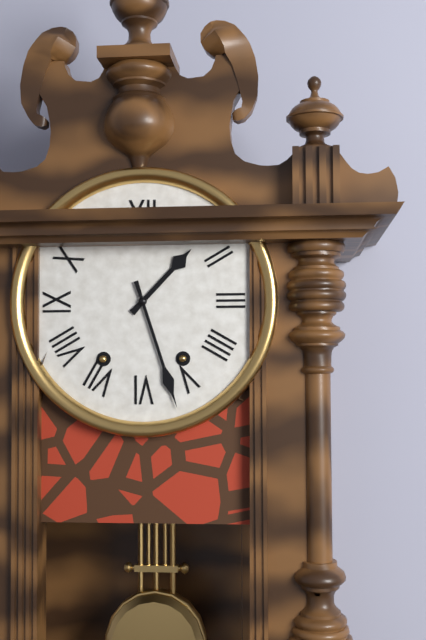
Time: {"hour": 1, "minute": 27}
